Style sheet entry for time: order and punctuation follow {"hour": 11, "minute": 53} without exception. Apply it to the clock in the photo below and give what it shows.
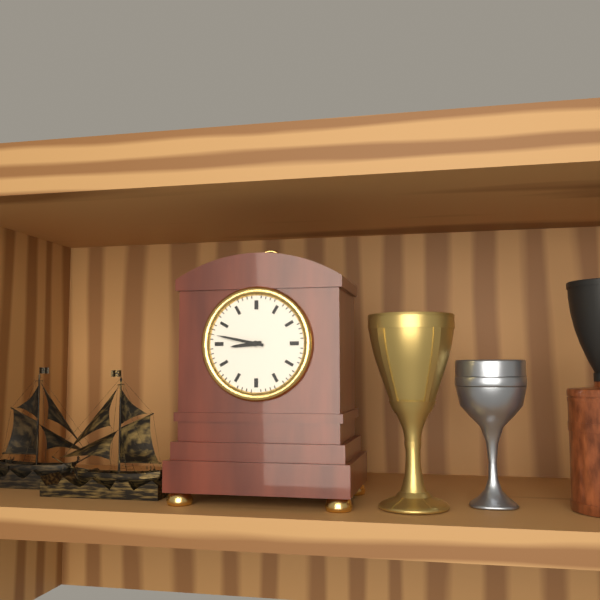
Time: {"hour": 8, "minute": 47}
